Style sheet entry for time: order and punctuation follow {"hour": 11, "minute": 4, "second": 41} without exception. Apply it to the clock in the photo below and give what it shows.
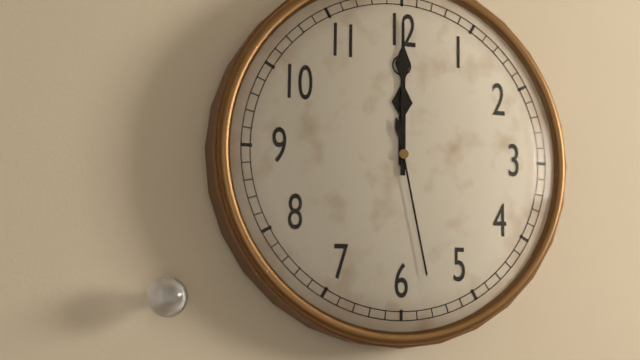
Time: {"hour": 12, "minute": 0, "second": 28}
